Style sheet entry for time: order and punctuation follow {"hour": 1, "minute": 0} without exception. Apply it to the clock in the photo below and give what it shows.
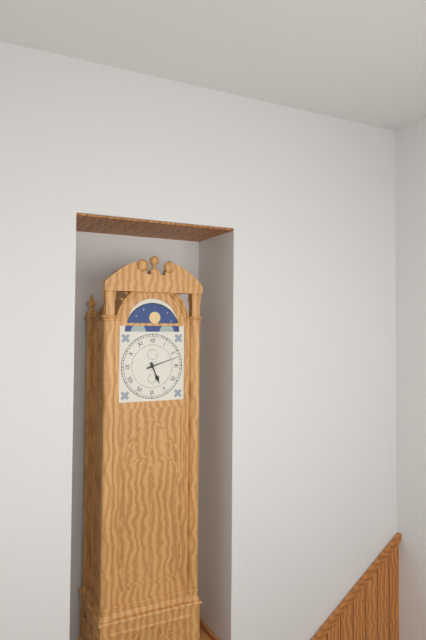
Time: {"hour": 5, "minute": 12}
